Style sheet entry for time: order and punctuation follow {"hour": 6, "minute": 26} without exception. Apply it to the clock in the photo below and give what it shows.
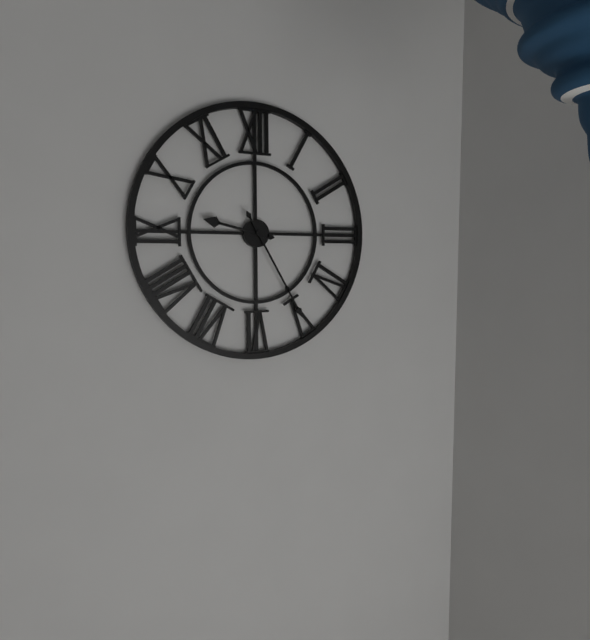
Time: {"hour": 9, "minute": 25}
